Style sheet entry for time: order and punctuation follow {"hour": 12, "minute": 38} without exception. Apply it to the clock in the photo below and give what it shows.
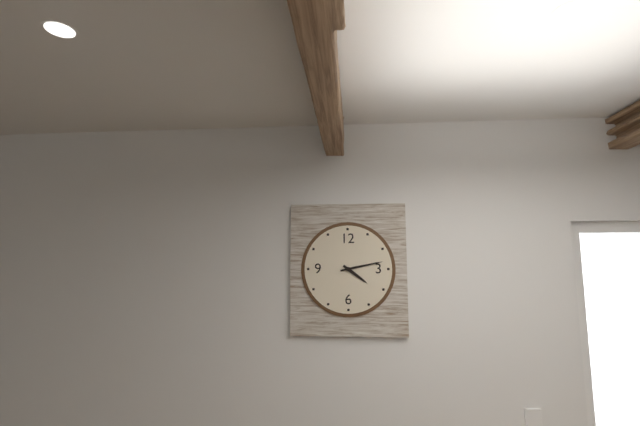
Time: {"hour": 4, "minute": 13}
